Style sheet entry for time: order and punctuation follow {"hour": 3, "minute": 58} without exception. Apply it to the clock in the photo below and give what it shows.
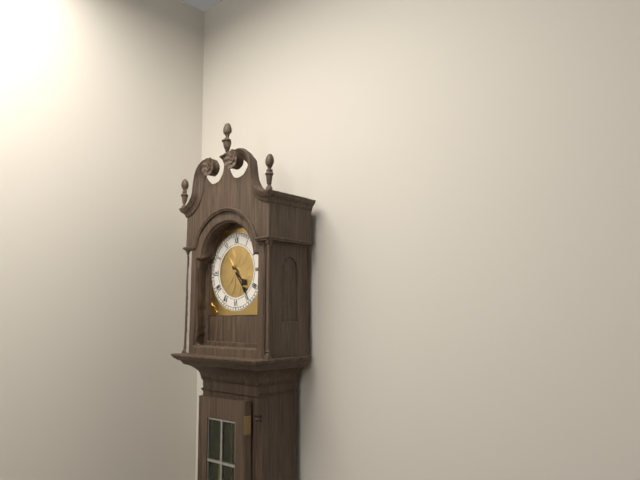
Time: {"hour": 4, "minute": 24}
